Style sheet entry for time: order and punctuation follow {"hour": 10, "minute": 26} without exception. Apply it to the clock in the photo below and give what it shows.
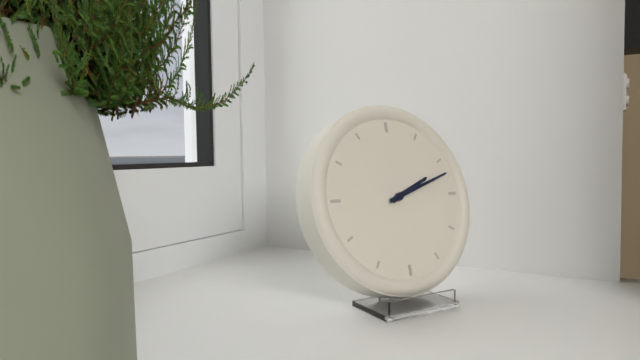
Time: {"hour": 2, "minute": 12}
